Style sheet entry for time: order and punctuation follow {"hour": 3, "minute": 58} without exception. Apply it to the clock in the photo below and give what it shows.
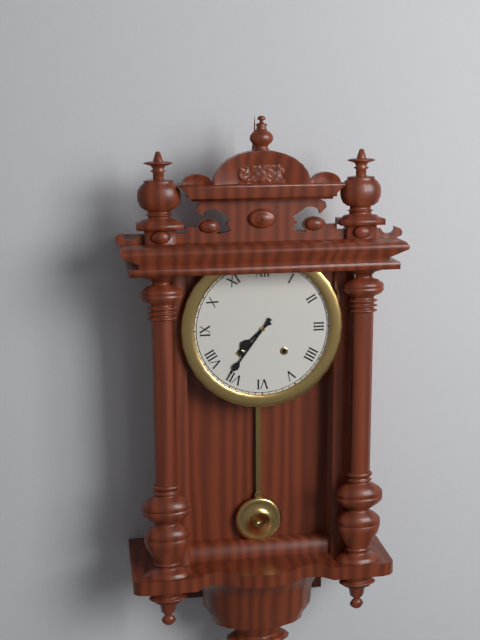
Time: {"hour": 7, "minute": 36}
